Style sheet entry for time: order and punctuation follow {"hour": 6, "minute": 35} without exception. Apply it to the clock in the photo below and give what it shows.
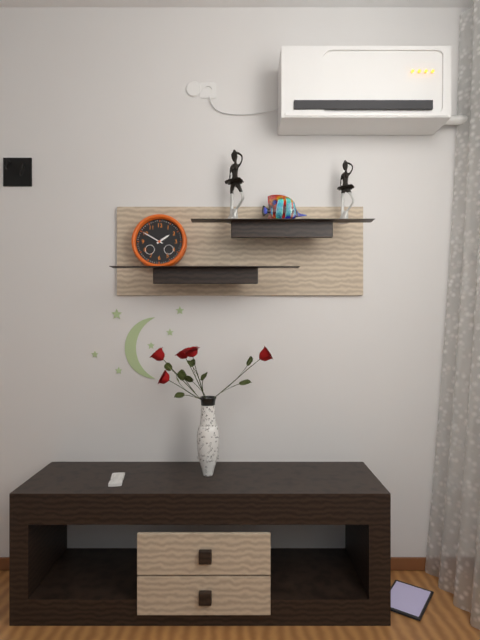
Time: {"hour": 1, "minute": 50}
